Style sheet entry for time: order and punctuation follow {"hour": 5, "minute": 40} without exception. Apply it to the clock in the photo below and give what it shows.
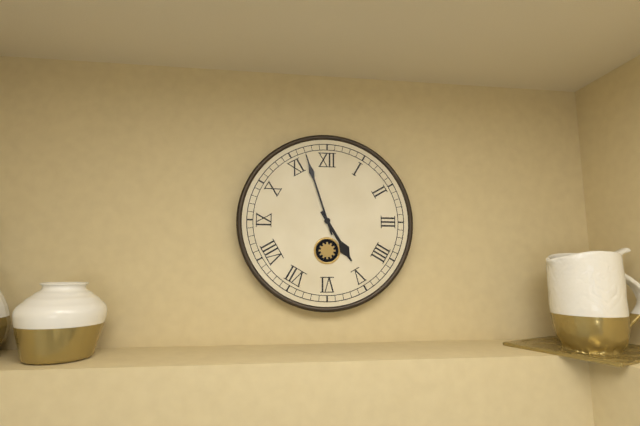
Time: {"hour": 4, "minute": 57}
